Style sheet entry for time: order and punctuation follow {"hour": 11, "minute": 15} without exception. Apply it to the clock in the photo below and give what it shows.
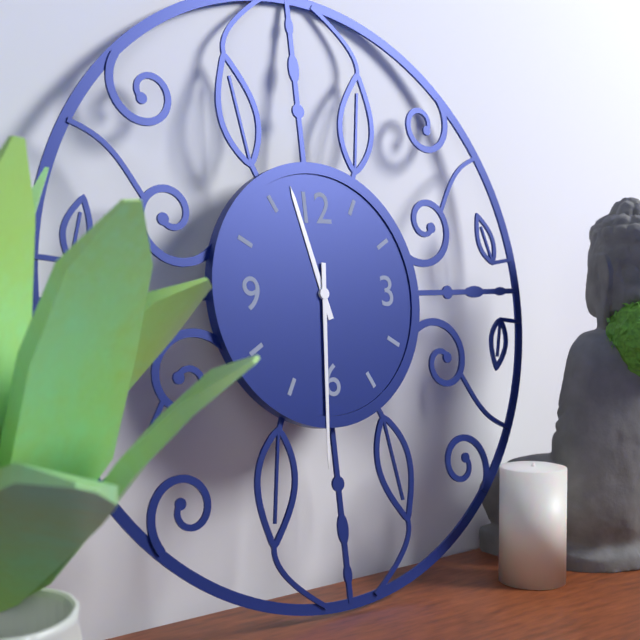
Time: {"hour": 11, "minute": 31}
